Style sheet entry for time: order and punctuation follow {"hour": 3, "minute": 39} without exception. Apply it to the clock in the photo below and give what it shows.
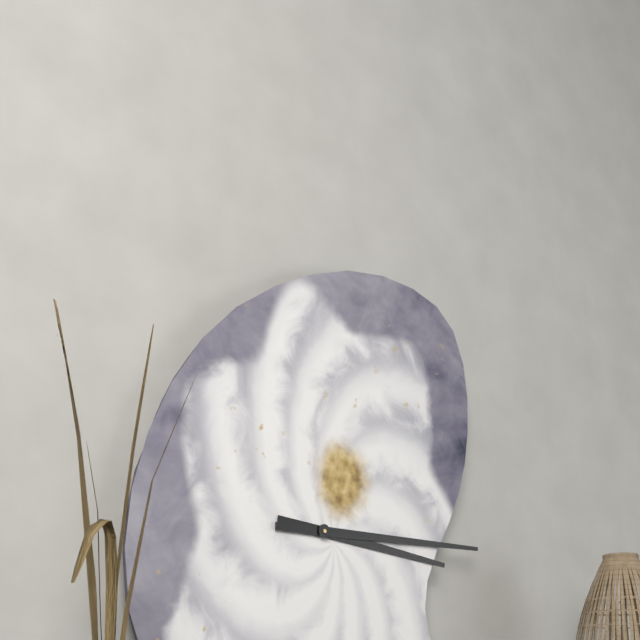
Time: {"hour": 3, "minute": 15}
